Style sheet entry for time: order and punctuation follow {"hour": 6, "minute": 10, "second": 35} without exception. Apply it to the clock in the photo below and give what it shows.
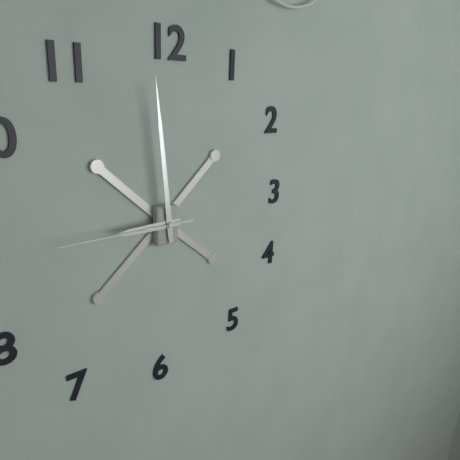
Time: {"hour": 8, "minute": 59, "second": 45}
